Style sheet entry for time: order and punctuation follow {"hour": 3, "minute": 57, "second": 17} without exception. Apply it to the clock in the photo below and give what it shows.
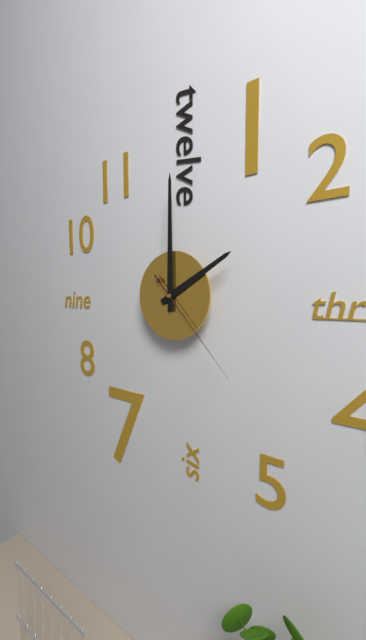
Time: {"hour": 2, "minute": 0, "second": 23}
